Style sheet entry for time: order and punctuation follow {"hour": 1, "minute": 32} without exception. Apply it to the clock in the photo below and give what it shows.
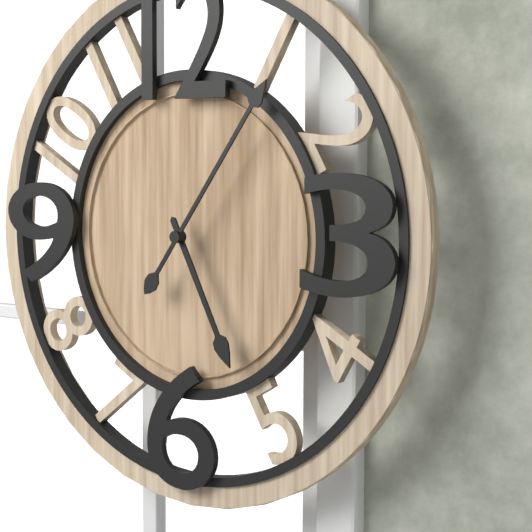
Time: {"hour": 5, "minute": 6}
